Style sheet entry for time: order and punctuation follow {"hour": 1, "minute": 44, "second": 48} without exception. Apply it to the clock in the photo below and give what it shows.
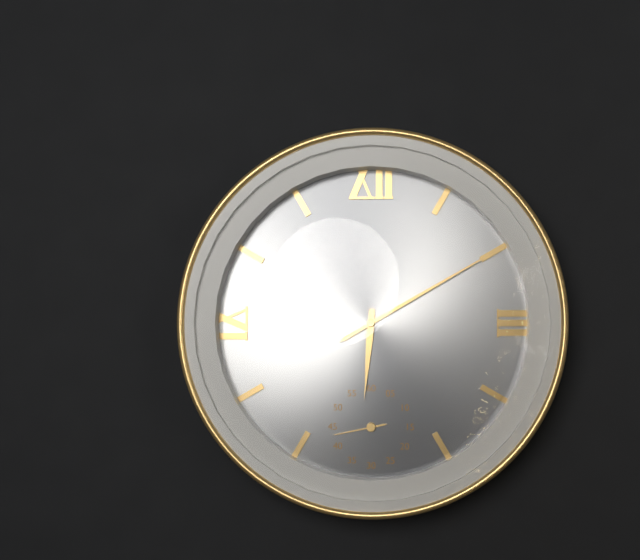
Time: {"hour": 6, "minute": 10, "second": 43}
